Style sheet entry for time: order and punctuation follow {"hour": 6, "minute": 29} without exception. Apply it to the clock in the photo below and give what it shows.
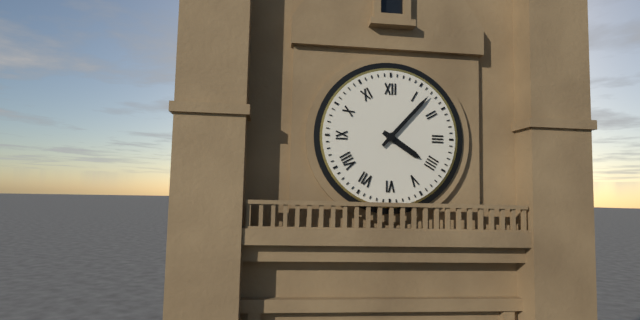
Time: {"hour": 4, "minute": 7}
